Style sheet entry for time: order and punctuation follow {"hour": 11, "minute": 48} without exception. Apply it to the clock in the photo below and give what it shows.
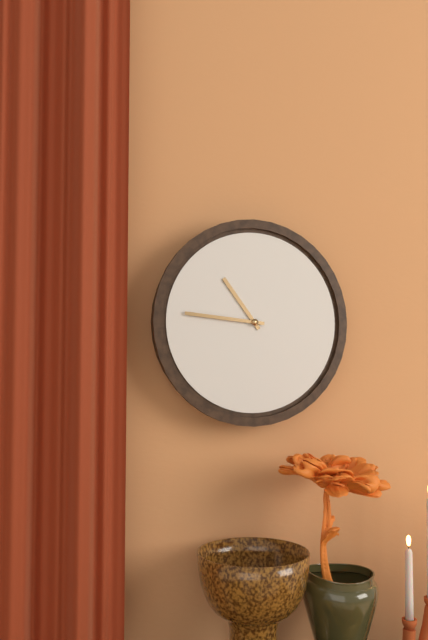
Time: {"hour": 10, "minute": 46}
